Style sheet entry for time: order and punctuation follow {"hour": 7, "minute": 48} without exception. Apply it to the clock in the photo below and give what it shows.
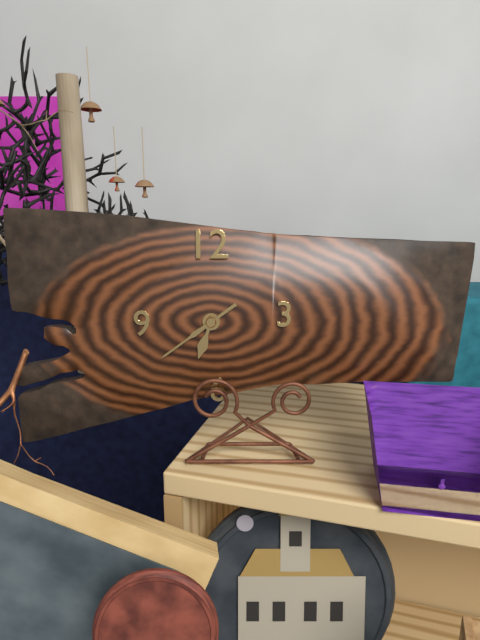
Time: {"hour": 6, "minute": 39}
